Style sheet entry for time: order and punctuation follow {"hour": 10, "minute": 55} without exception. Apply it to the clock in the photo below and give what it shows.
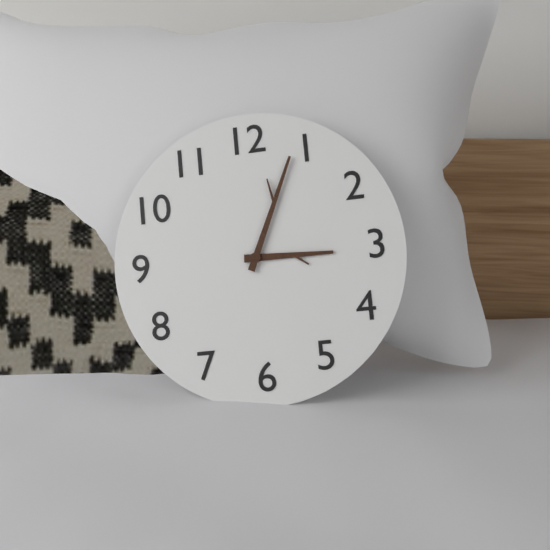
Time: {"hour": 3, "minute": 4}
